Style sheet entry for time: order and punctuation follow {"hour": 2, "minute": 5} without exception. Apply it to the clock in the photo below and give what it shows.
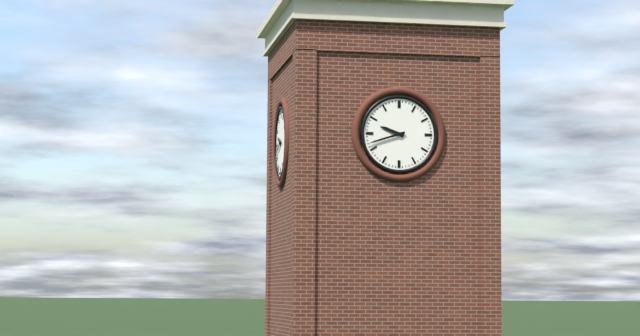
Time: {"hour": 9, "minute": 42}
